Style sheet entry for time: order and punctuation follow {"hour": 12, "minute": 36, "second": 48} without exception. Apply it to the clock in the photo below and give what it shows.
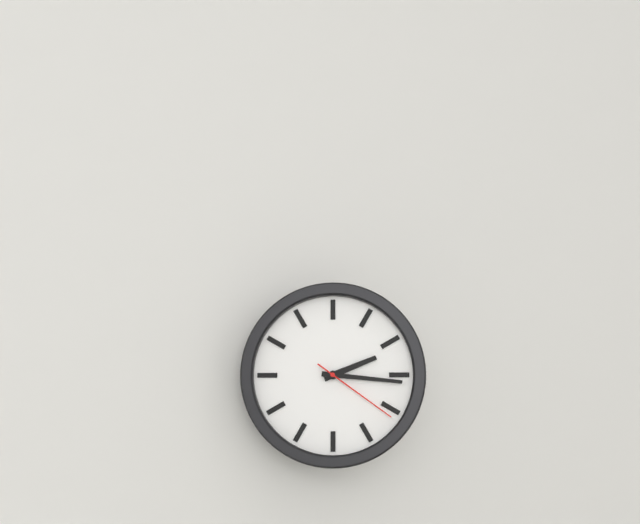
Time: {"hour": 2, "minute": 16, "second": 21}
